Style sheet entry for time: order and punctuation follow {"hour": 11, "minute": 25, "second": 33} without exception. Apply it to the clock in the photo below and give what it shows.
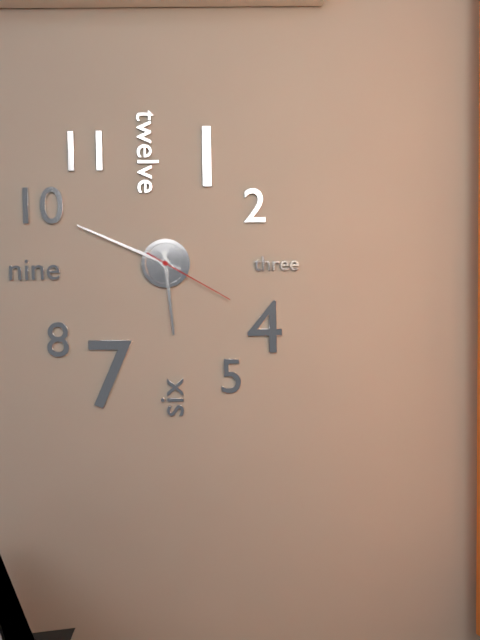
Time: {"hour": 5, "minute": 49, "second": 20}
